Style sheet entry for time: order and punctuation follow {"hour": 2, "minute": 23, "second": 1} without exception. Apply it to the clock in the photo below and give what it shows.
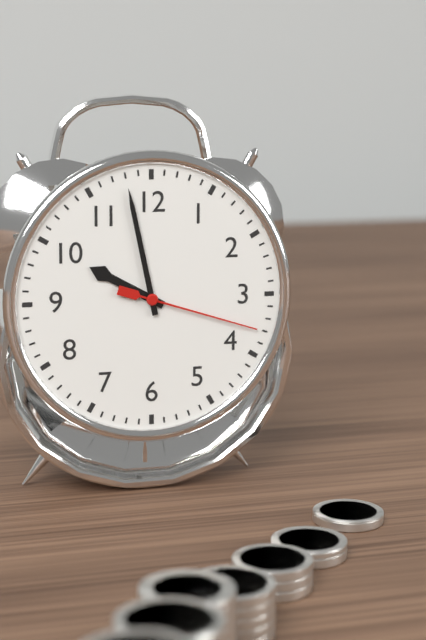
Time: {"hour": 9, "minute": 58, "second": 18}
